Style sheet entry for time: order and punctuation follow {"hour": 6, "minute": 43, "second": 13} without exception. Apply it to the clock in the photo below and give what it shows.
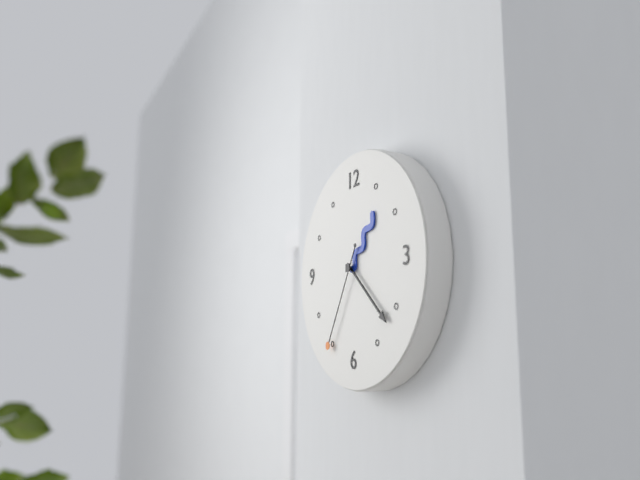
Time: {"hour": 1, "minute": 22, "second": 35}
